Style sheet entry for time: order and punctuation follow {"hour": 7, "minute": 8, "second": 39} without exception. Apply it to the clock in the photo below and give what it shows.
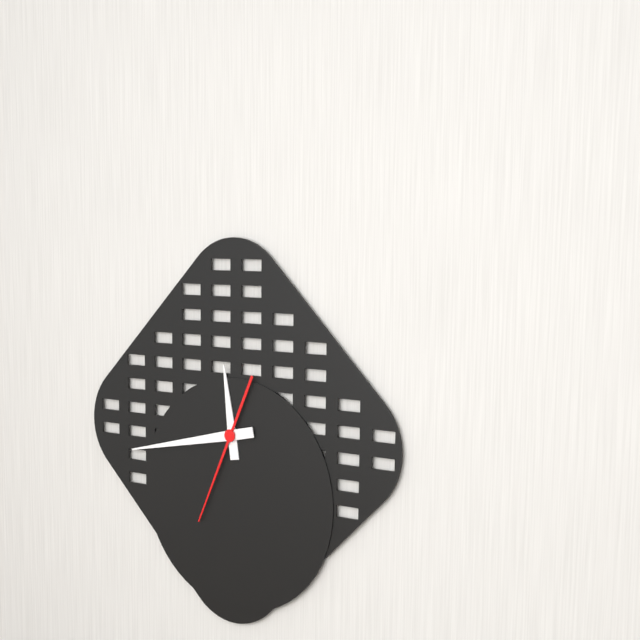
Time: {"hour": 11, "minute": 43, "second": 34}
